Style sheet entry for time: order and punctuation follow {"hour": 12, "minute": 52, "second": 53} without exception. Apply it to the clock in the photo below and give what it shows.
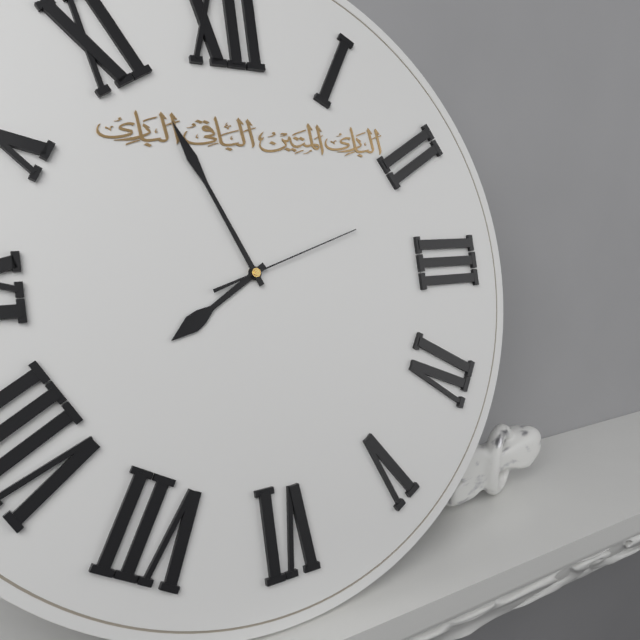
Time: {"hour": 7, "minute": 56, "second": 12}
